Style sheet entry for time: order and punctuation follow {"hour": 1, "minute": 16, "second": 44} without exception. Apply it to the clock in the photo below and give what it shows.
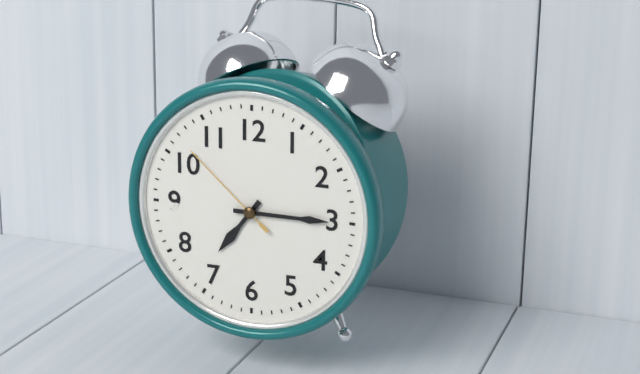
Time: {"hour": 7, "minute": 15, "second": 52}
